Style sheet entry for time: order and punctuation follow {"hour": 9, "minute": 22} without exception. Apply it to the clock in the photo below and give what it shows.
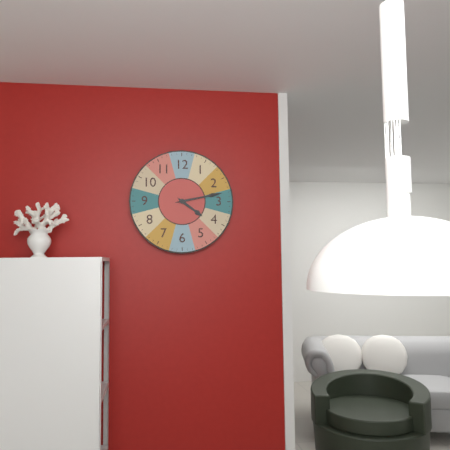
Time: {"hour": 4, "minute": 13}
